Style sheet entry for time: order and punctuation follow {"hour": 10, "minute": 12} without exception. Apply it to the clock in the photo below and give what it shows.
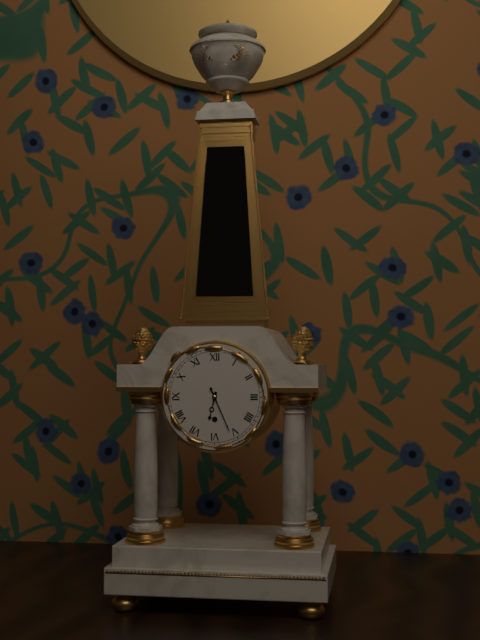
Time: {"hour": 6, "minute": 26}
